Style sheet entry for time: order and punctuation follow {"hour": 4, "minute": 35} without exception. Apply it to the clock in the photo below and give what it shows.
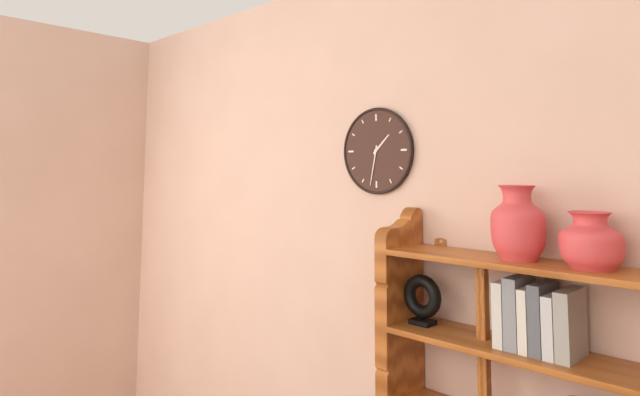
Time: {"hour": 1, "minute": 32}
